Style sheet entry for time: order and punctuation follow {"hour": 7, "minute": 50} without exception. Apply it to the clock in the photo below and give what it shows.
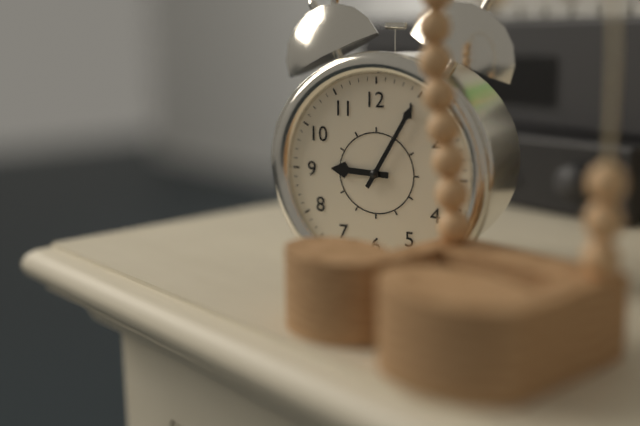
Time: {"hour": 9, "minute": 5}
